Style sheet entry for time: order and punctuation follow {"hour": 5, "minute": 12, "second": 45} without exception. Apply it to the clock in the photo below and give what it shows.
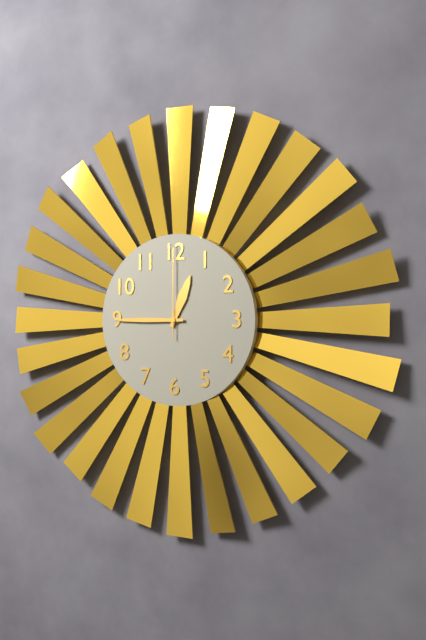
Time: {"hour": 12, "minute": 45, "second": 0}
